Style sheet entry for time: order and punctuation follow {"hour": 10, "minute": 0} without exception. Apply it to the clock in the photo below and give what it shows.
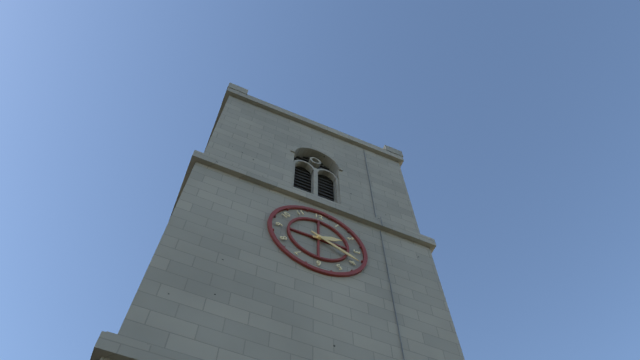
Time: {"hour": 2, "minute": 19}
